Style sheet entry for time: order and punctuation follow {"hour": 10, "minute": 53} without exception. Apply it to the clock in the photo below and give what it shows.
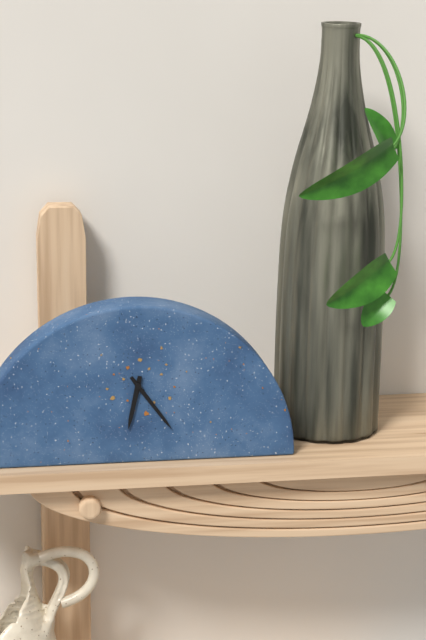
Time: {"hour": 6, "minute": 24}
